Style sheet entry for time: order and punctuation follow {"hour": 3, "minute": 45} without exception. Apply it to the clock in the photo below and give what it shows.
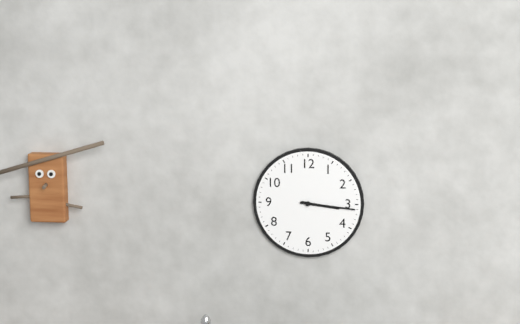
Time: {"hour": 3, "minute": 16}
